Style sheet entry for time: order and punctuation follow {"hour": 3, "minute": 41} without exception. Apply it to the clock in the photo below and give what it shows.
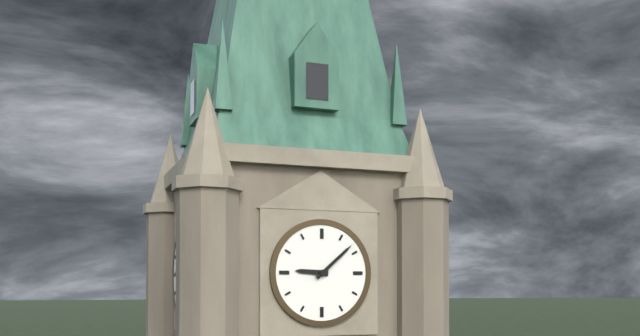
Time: {"hour": 9, "minute": 8}
